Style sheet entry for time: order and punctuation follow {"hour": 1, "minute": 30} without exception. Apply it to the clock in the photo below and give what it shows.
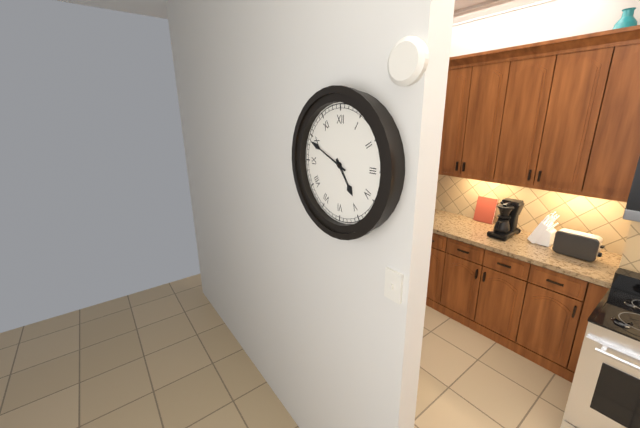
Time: {"hour": 4, "minute": 49}
